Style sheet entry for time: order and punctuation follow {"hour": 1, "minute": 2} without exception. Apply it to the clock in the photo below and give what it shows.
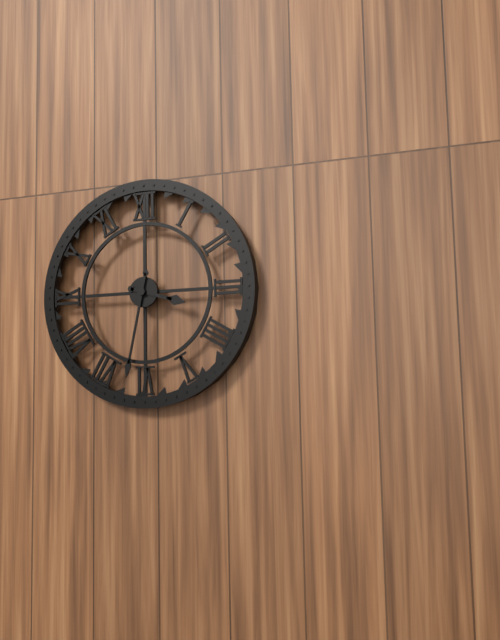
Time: {"hour": 3, "minute": 32}
